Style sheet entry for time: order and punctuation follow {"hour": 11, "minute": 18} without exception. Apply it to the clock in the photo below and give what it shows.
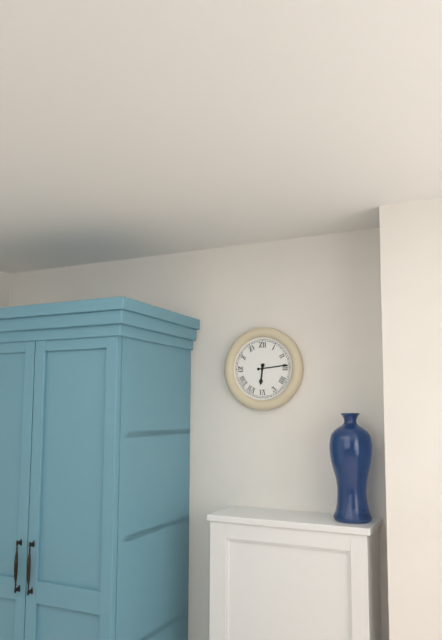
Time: {"hour": 6, "minute": 14}
